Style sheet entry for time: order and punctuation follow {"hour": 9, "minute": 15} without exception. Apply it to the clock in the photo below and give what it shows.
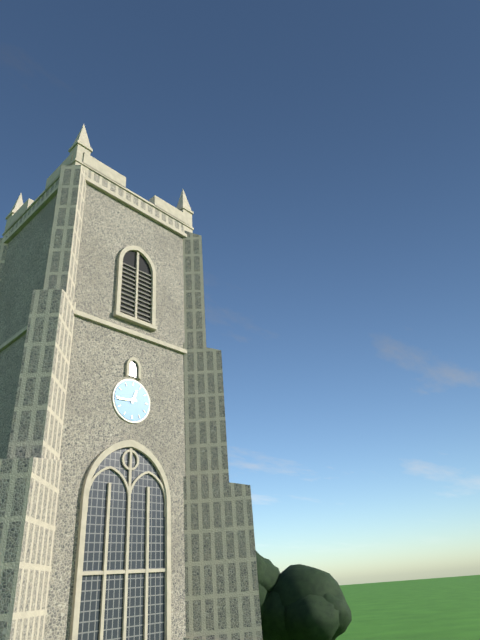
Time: {"hour": 12, "minute": 44}
